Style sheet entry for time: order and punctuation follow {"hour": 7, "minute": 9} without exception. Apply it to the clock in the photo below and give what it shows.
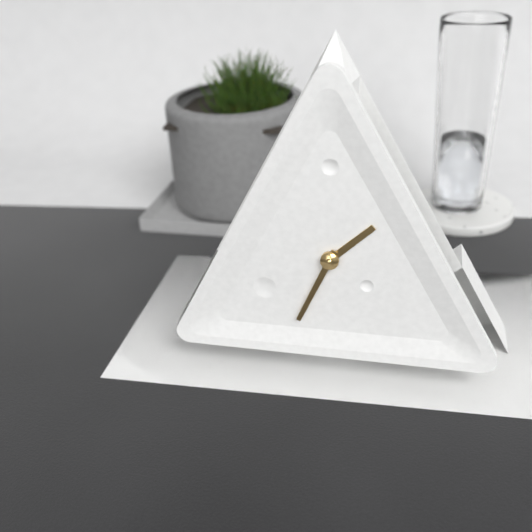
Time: {"hour": 1, "minute": 34}
